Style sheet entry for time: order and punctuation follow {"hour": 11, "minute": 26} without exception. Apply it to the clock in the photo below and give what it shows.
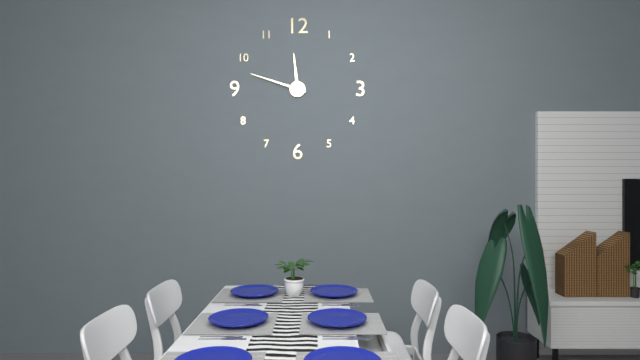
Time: {"hour": 11, "minute": 48}
